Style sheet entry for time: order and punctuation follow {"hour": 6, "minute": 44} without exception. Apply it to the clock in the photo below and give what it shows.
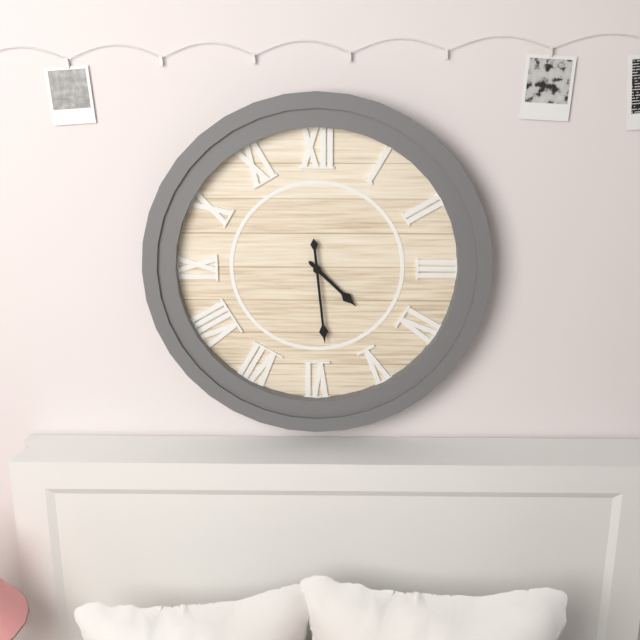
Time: {"hour": 4, "minute": 29}
